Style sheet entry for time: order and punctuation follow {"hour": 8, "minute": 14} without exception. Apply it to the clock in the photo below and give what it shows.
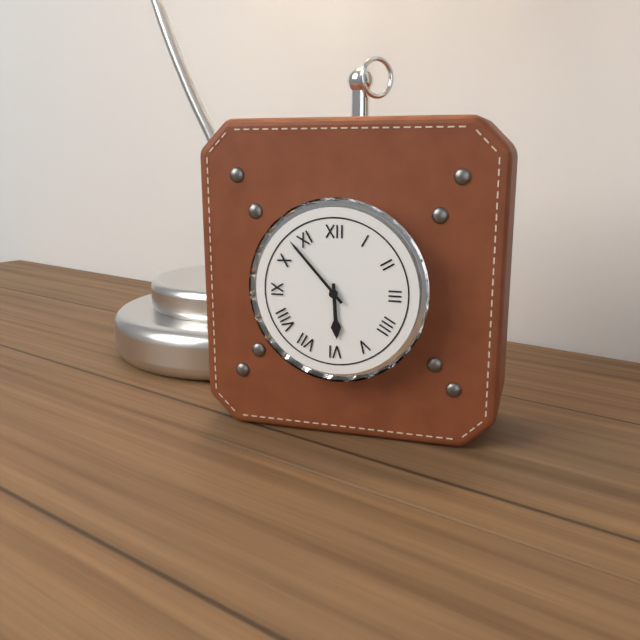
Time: {"hour": 5, "minute": 53}
